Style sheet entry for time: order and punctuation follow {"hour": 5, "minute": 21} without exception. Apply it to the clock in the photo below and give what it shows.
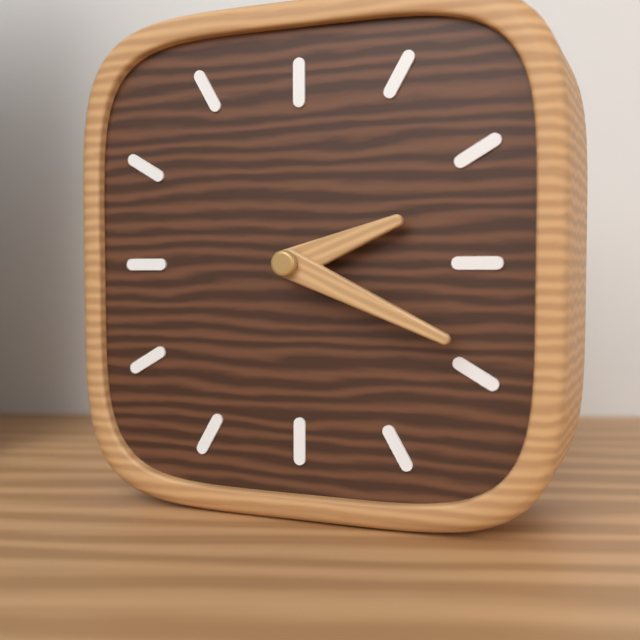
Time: {"hour": 2, "minute": 19}
